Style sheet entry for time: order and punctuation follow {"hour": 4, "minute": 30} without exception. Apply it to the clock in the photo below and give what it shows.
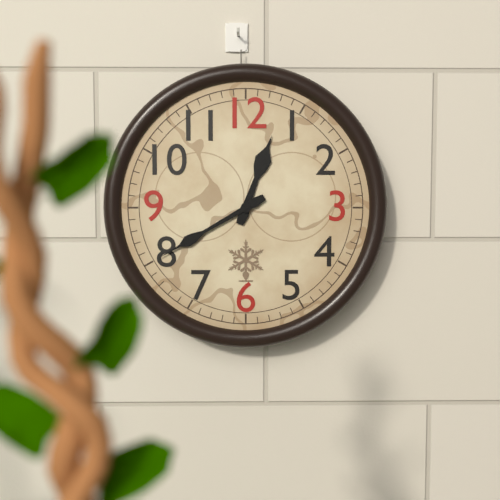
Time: {"hour": 12, "minute": 40}
